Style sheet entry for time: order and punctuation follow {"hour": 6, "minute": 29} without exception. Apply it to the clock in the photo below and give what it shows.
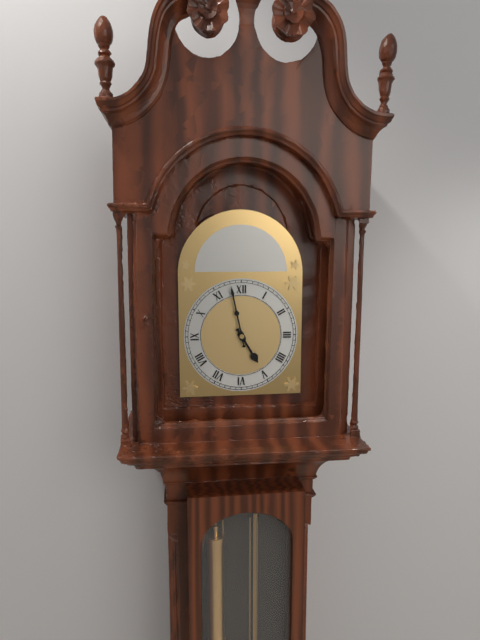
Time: {"hour": 4, "minute": 58}
